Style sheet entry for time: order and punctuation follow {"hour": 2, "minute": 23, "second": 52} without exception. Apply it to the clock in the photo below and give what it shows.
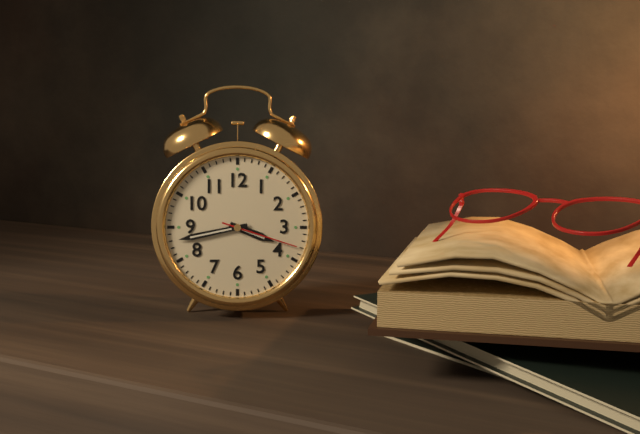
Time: {"hour": 3, "minute": 43, "second": 18}
